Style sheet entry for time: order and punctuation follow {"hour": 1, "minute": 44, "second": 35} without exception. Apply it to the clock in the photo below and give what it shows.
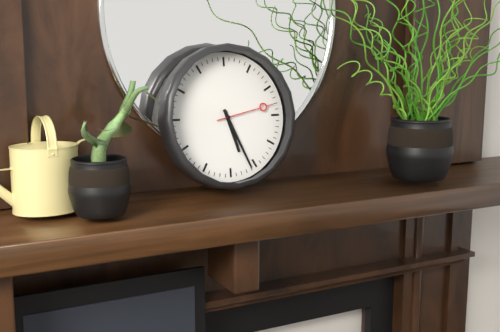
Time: {"hour": 5, "minute": 26, "second": 13}
